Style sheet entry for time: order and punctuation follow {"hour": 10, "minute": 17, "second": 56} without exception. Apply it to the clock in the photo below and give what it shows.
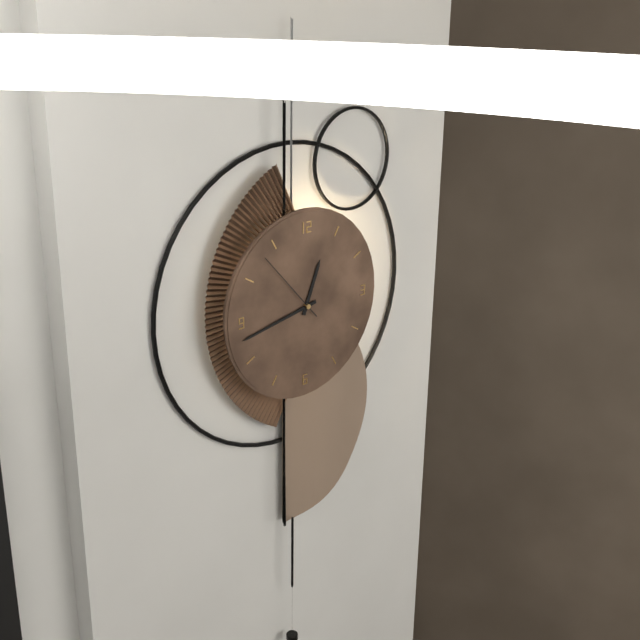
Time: {"hour": 12, "minute": 43, "second": 53}
